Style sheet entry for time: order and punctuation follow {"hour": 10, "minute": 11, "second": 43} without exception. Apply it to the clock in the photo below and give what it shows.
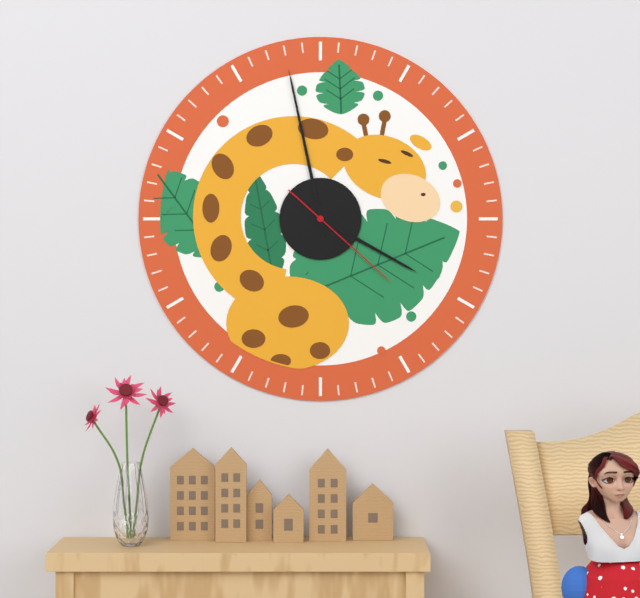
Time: {"hour": 3, "minute": 58, "second": 22}
